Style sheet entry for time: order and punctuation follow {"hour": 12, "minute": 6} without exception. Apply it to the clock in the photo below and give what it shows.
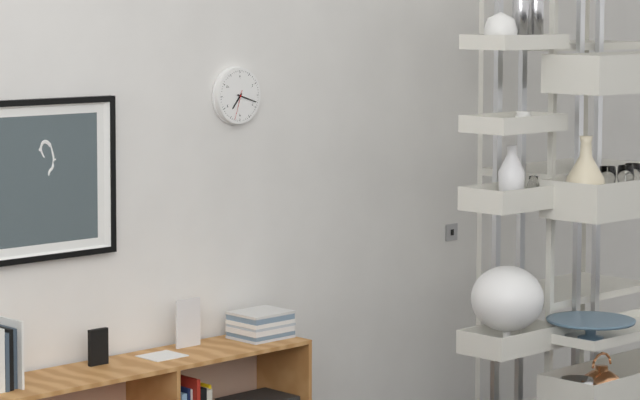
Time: {"hour": 7, "minute": 18}
